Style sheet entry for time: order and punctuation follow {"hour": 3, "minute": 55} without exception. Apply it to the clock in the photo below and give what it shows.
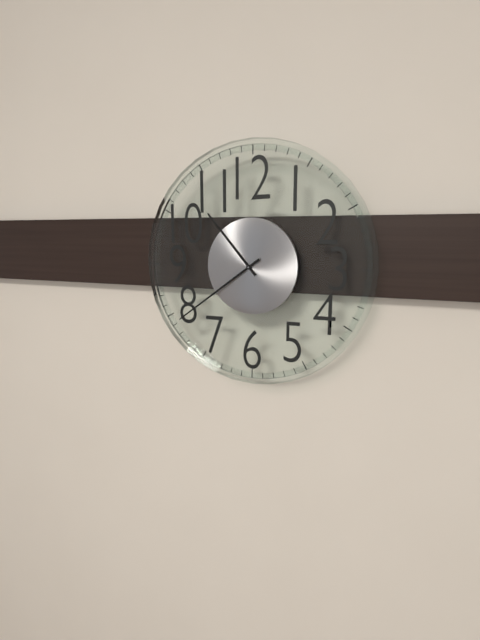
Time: {"hour": 10, "minute": 39}
